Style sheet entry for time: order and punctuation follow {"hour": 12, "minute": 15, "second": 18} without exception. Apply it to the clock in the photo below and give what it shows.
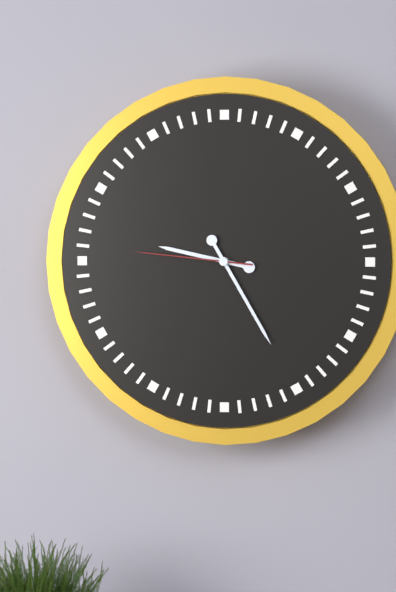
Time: {"hour": 9, "minute": 25, "second": 46}
